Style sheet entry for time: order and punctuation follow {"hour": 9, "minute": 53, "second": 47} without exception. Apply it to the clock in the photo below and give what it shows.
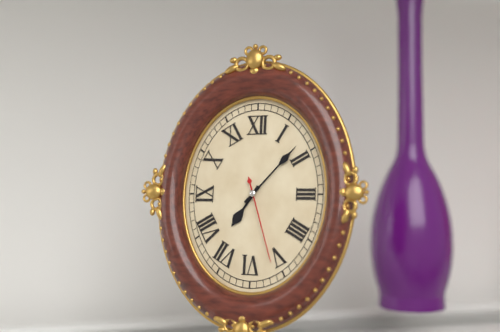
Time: {"hour": 7, "minute": 7, "second": 27}
